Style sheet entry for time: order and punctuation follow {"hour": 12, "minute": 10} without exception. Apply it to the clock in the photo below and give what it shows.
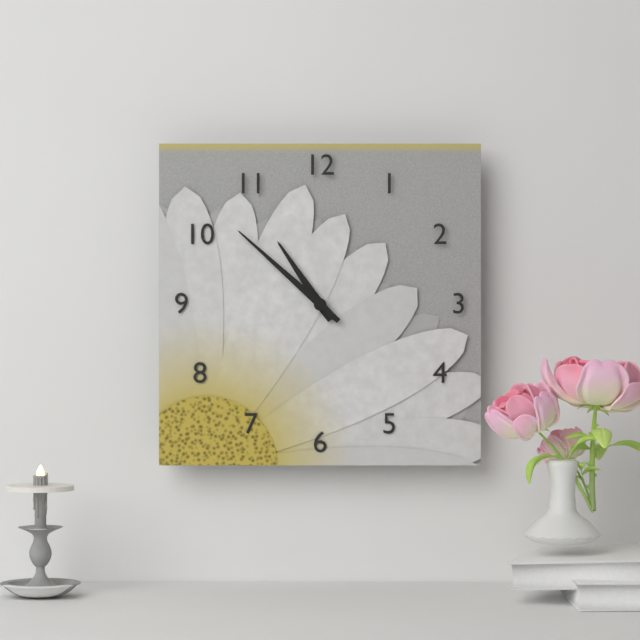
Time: {"hour": 10, "minute": 52}
